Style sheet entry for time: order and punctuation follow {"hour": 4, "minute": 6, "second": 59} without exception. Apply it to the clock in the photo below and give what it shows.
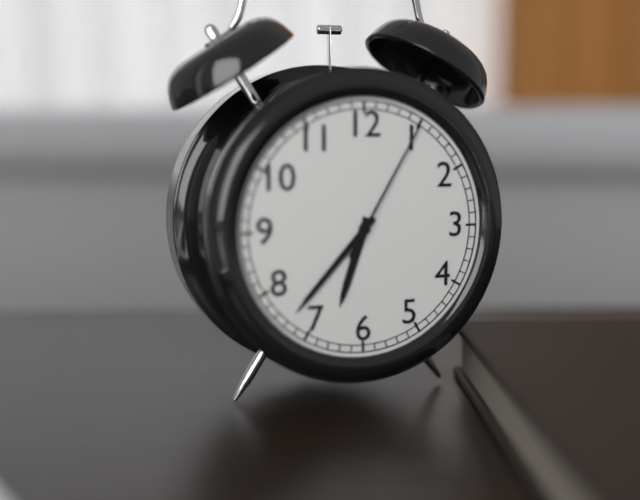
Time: {"hour": 6, "minute": 37, "second": 5}
